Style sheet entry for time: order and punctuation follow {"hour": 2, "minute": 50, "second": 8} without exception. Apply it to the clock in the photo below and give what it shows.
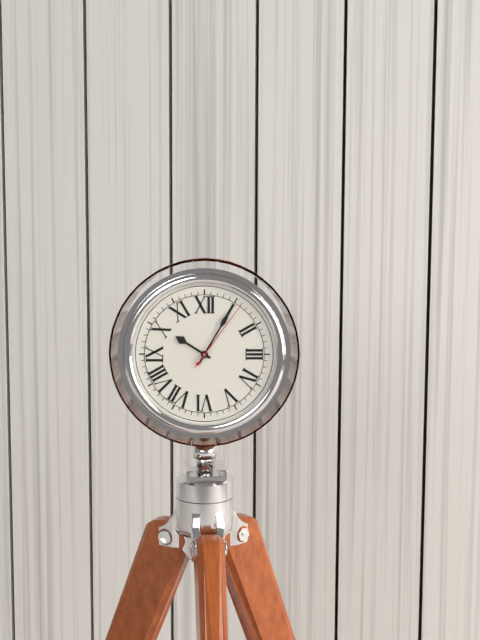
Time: {"hour": 10, "minute": 5, "second": 6}
